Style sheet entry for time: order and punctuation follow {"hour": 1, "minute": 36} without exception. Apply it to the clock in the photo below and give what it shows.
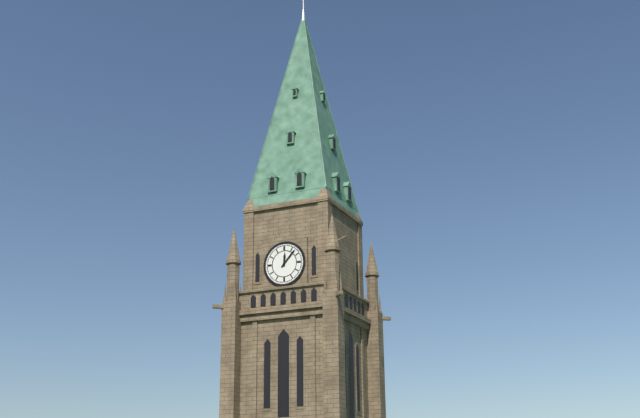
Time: {"hour": 12, "minute": 7}
